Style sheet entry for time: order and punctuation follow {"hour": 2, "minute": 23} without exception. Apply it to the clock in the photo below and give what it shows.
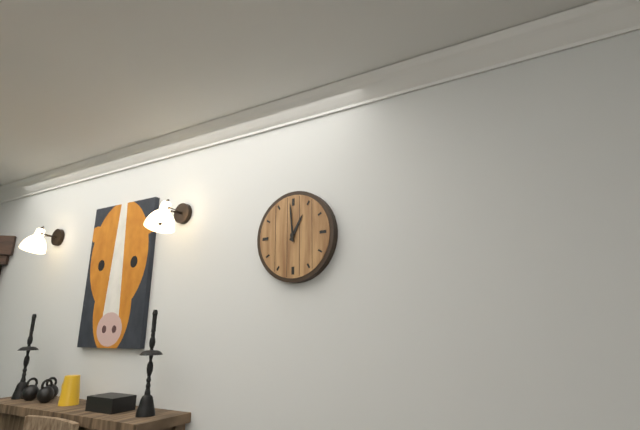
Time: {"hour": 12, "minute": 59}
